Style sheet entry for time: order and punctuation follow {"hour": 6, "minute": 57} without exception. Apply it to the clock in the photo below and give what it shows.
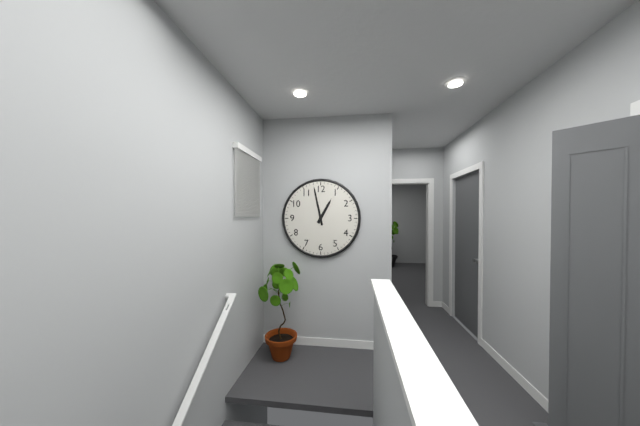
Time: {"hour": 12, "minute": 58}
